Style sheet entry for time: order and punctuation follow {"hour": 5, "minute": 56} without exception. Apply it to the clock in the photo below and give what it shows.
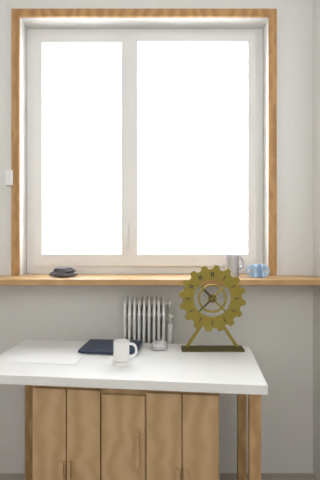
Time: {"hour": 10, "minute": 38}
